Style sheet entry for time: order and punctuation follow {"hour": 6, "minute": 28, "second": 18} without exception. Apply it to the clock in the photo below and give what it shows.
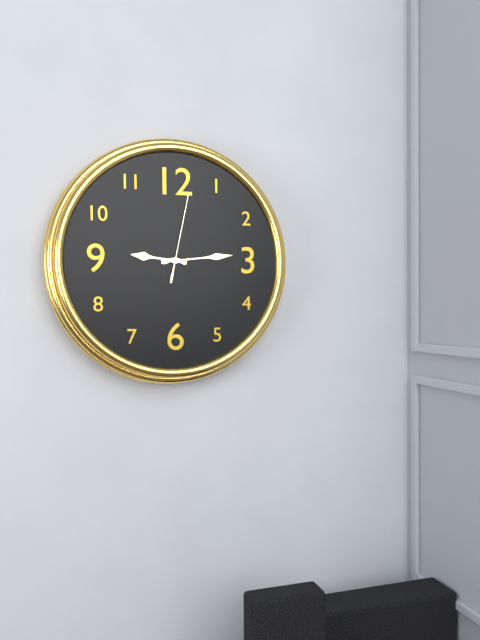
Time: {"hour": 9, "minute": 14, "second": 2}
